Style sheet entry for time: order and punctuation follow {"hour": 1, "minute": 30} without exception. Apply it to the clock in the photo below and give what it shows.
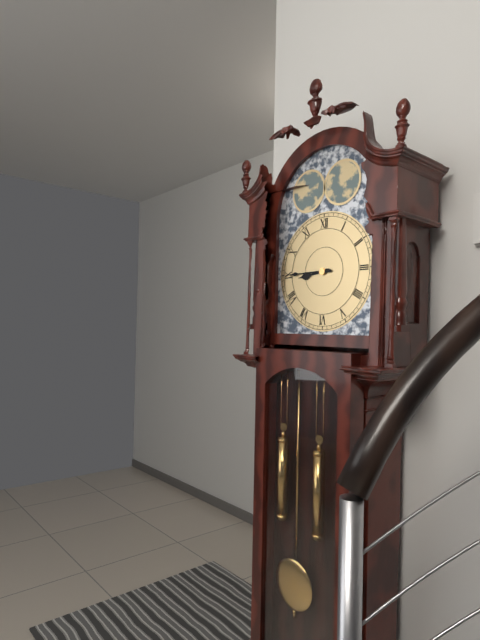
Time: {"hour": 8, "minute": 45}
